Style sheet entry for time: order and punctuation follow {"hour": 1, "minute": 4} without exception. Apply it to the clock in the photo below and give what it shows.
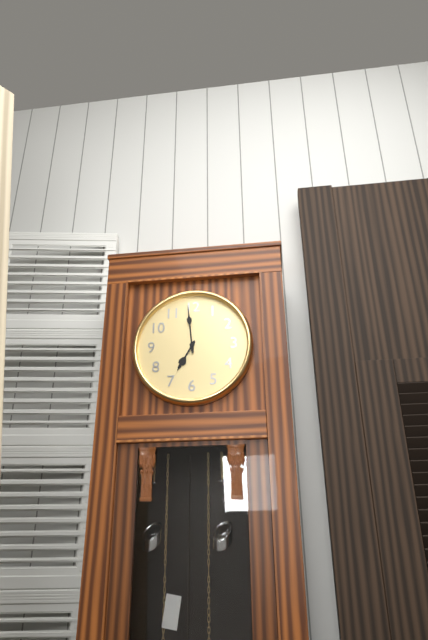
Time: {"hour": 6, "minute": 59}
